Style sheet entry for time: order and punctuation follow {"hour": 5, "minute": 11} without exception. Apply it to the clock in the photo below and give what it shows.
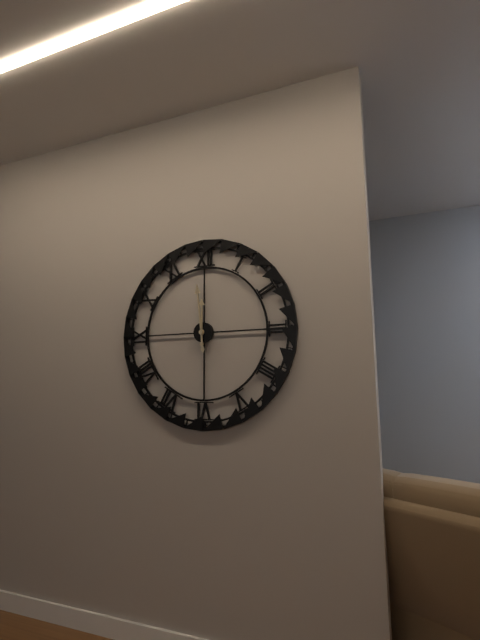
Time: {"hour": 11, "minute": 59}
